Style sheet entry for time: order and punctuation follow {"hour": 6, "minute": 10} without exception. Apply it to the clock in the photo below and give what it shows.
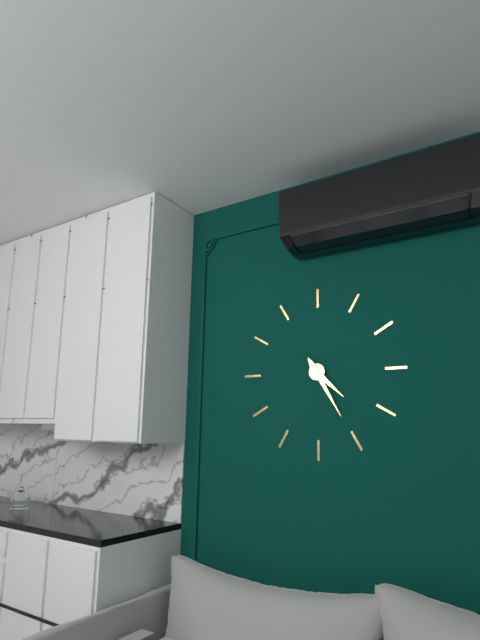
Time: {"hour": 4, "minute": 25}
